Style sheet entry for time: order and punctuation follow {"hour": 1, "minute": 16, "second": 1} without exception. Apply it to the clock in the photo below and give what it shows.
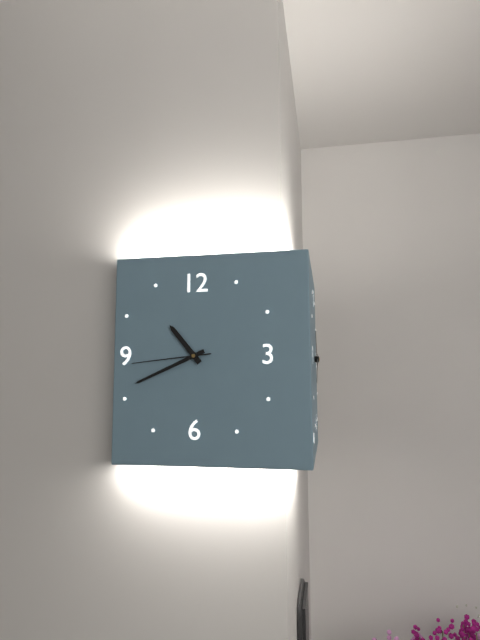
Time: {"hour": 10, "minute": 41, "second": 44}
